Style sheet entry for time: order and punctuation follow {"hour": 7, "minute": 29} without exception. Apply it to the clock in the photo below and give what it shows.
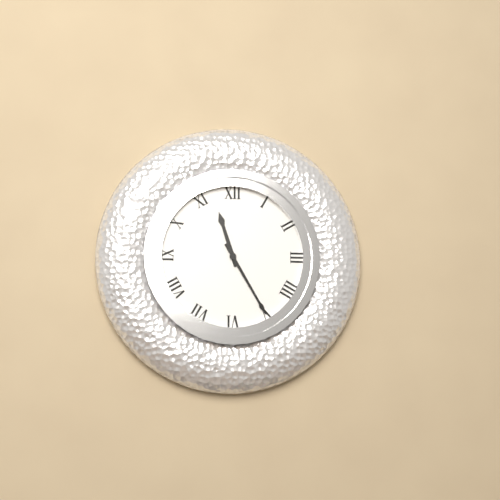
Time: {"hour": 11, "minute": 25}
